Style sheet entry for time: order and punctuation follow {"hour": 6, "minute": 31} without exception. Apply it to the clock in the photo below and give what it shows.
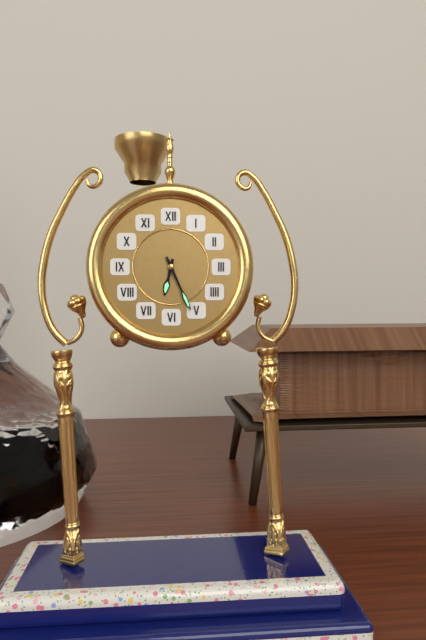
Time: {"hour": 6, "minute": 26}
